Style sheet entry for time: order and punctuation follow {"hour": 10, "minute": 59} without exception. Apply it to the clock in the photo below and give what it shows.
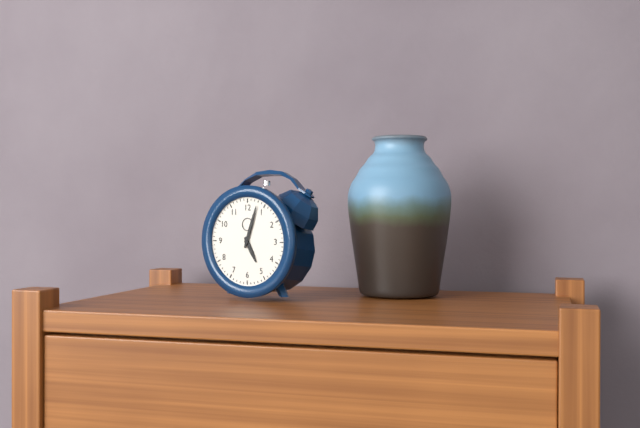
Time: {"hour": 5, "minute": 3}
